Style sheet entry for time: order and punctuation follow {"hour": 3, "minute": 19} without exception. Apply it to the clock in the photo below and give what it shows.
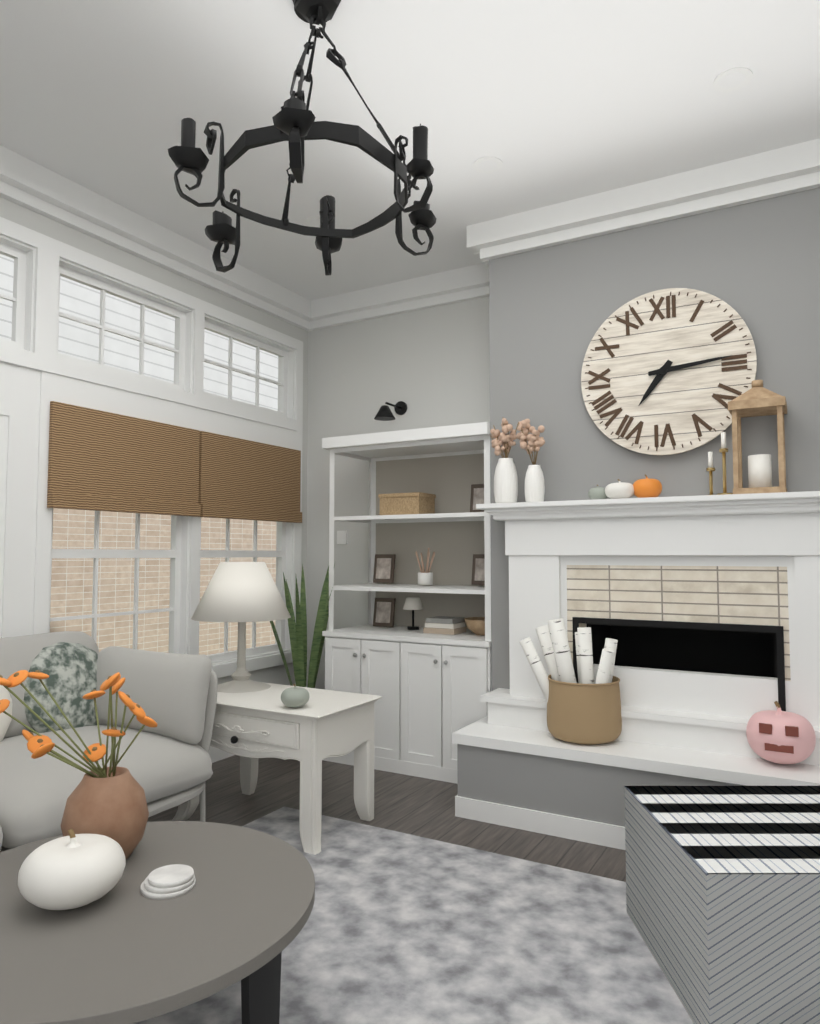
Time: {"hour": 7, "minute": 14}
